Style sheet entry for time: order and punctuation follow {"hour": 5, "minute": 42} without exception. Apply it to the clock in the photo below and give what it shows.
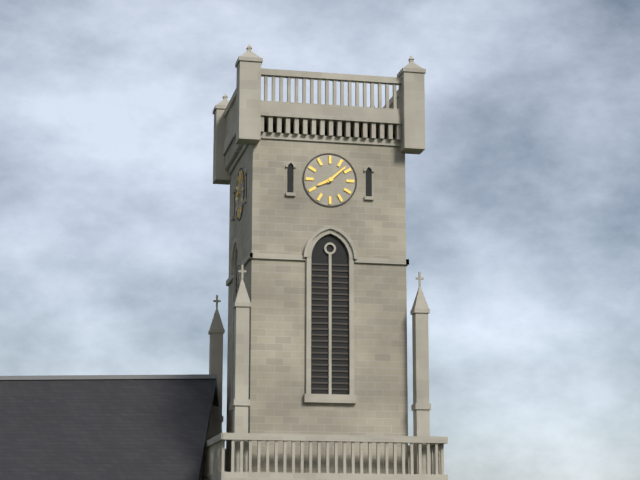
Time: {"hour": 8, "minute": 8}
